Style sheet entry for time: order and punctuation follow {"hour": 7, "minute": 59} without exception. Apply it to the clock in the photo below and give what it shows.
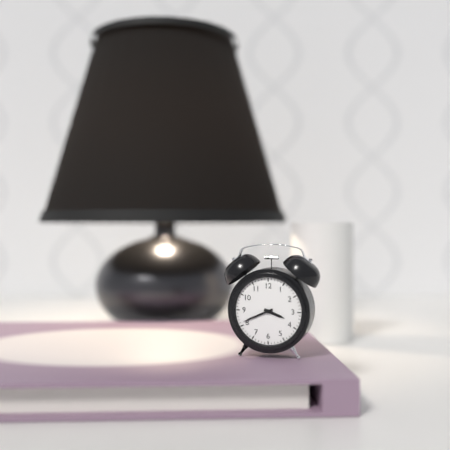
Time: {"hour": 3, "minute": 41}
